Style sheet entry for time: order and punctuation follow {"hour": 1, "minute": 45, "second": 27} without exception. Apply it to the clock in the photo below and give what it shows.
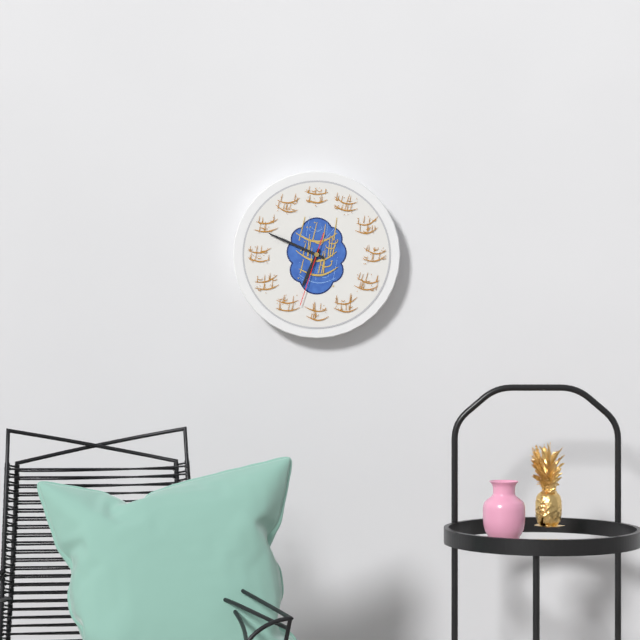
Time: {"hour": 6, "minute": 49, "second": 33}
